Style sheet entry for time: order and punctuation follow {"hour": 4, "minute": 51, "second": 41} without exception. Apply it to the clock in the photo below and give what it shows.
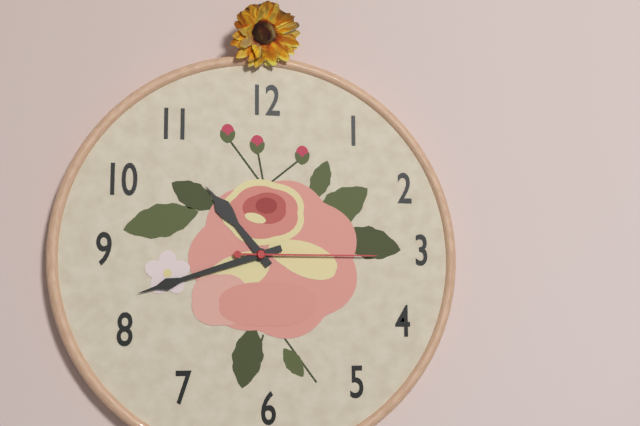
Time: {"hour": 10, "minute": 42, "second": 15}
